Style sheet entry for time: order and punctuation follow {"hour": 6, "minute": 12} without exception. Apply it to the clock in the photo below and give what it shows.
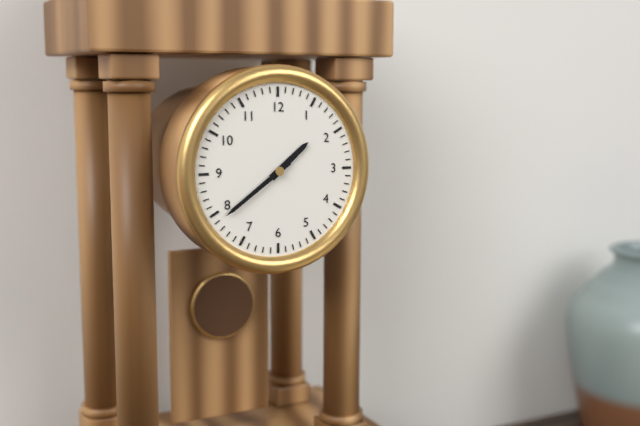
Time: {"hour": 1, "minute": 39}
